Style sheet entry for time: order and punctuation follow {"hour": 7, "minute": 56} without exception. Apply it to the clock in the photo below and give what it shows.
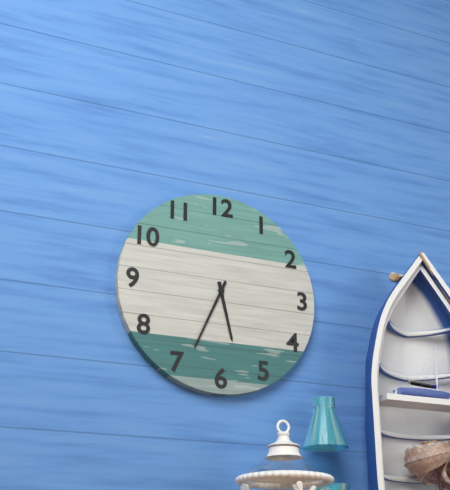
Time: {"hour": 5, "minute": 34}
